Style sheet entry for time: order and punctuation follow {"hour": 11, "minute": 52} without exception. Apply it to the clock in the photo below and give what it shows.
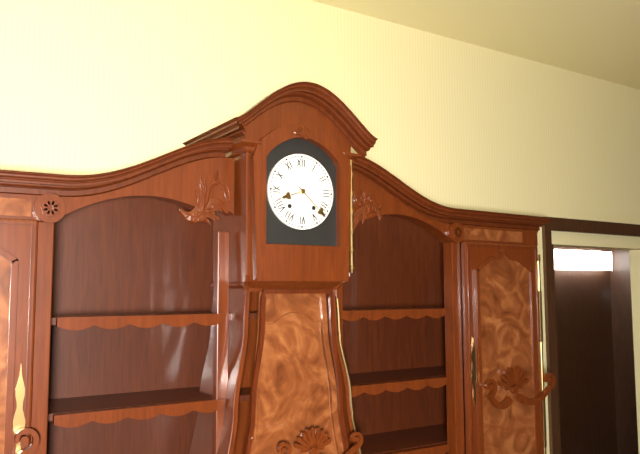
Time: {"hour": 8, "minute": 22}
